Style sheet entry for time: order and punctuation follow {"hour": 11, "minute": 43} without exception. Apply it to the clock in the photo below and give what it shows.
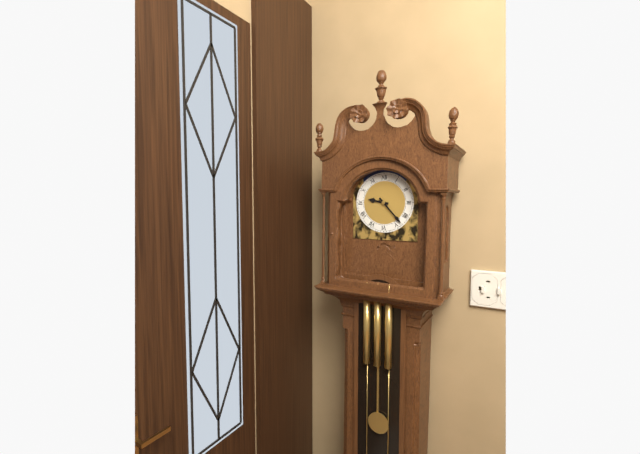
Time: {"hour": 9, "minute": 23}
